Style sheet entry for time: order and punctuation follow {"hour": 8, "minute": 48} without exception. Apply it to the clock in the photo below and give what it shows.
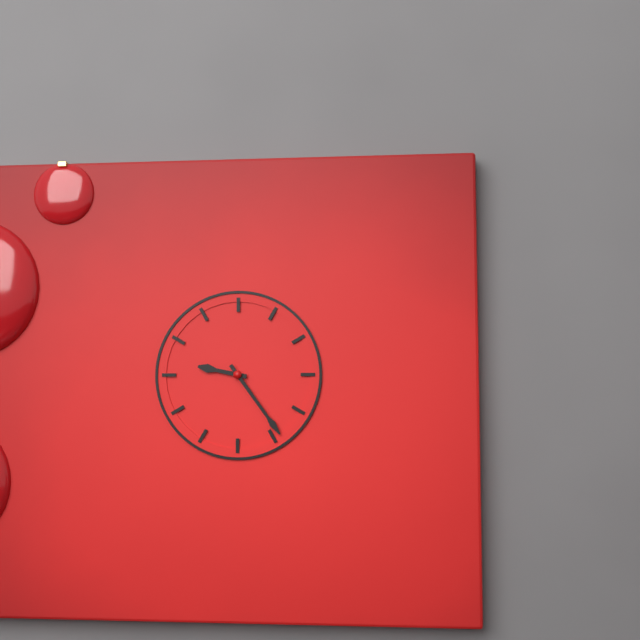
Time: {"hour": 9, "minute": 24}
